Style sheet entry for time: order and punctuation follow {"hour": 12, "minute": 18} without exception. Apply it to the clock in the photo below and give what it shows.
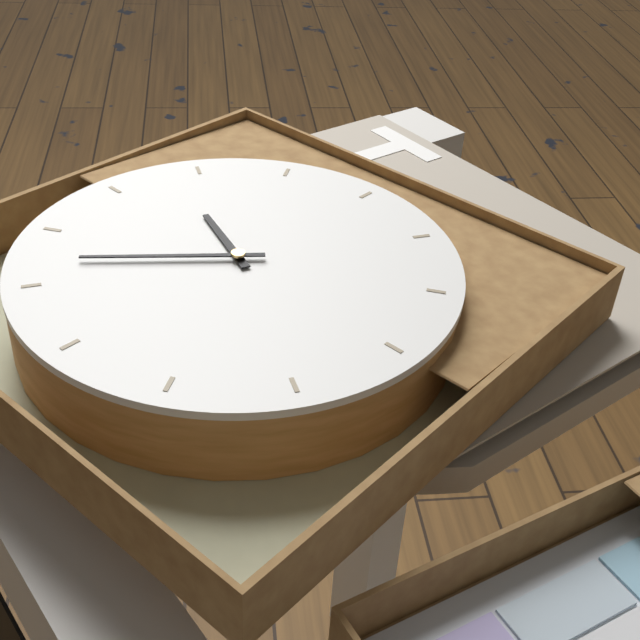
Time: {"hour": 10, "minute": 42}
